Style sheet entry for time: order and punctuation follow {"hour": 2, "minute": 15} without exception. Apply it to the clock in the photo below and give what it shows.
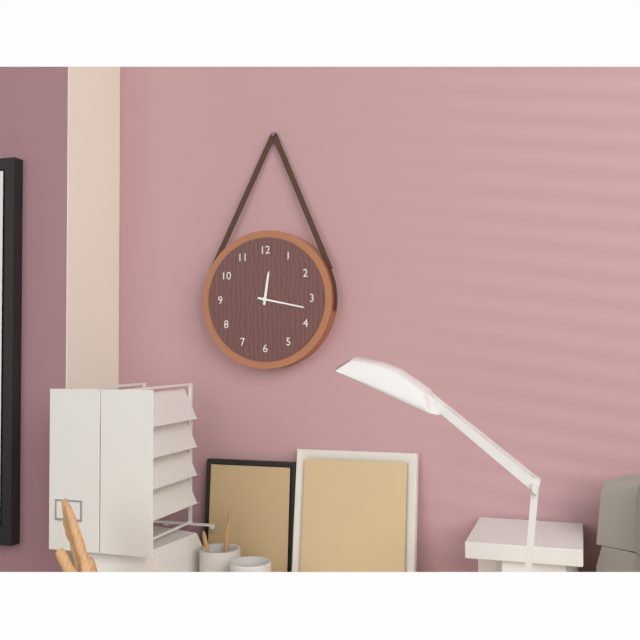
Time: {"hour": 12, "minute": 17}
